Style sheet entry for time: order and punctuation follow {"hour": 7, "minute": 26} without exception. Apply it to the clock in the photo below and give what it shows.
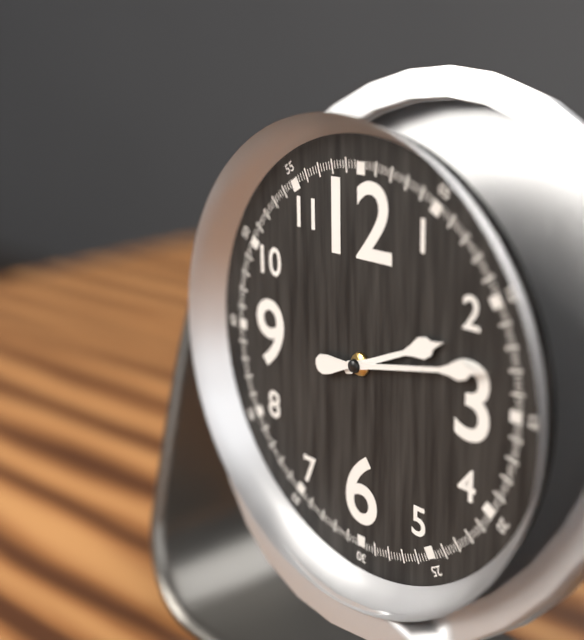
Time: {"hour": 2, "minute": 13}
